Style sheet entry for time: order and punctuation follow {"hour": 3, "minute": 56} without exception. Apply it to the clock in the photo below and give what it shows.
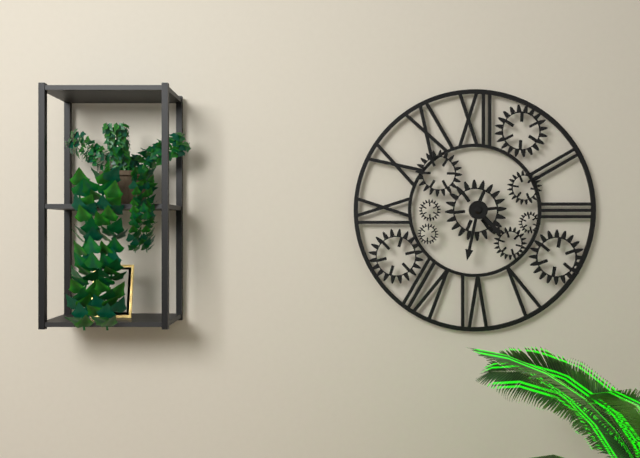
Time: {"hour": 4, "minute": 32}
